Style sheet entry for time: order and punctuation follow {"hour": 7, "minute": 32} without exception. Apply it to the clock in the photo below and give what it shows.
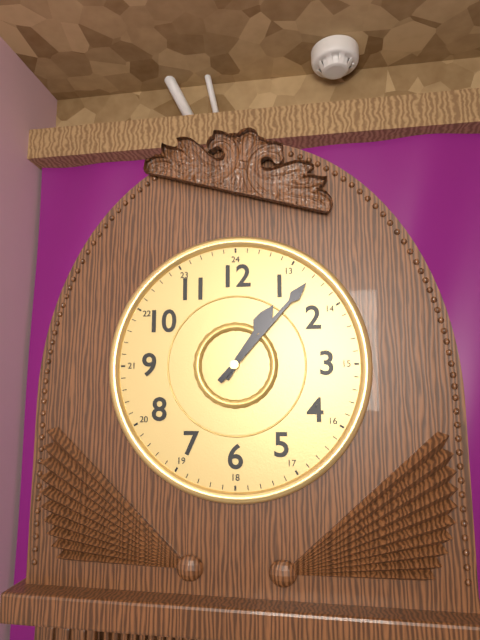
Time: {"hour": 1, "minute": 7}
